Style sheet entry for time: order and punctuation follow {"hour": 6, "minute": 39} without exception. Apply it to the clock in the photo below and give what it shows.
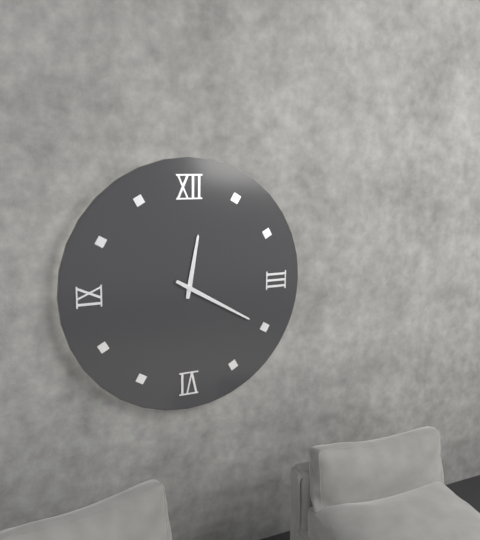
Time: {"hour": 12, "minute": 20}
